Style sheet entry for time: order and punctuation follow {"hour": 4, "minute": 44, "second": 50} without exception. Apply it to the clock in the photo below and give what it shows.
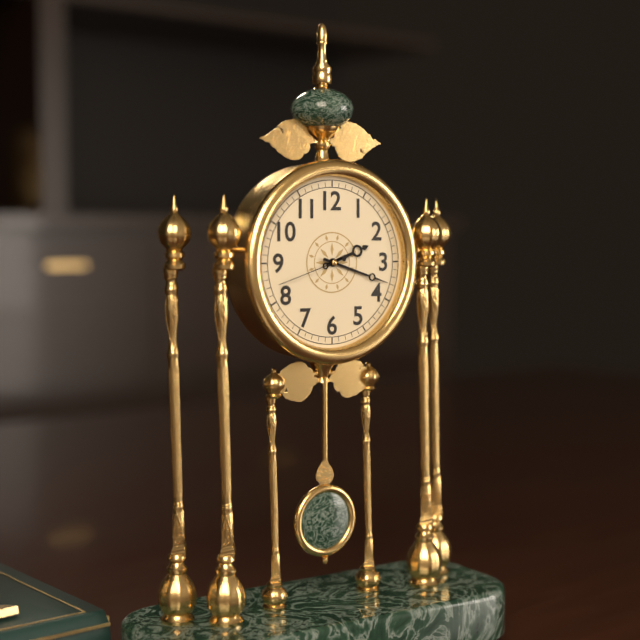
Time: {"hour": 2, "minute": 18, "second": 42}
